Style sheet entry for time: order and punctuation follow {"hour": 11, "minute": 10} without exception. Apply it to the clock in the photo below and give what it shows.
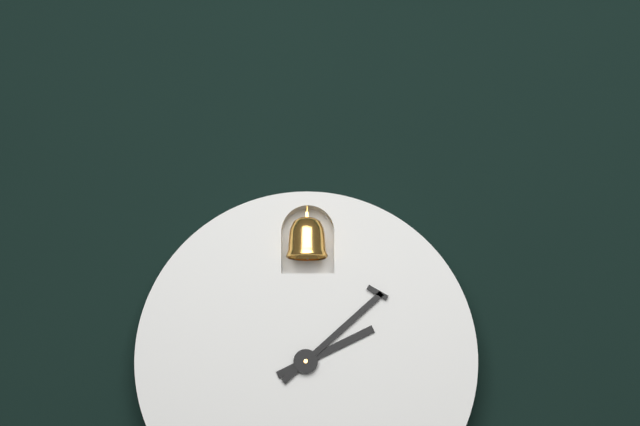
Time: {"hour": 2, "minute": 8}
